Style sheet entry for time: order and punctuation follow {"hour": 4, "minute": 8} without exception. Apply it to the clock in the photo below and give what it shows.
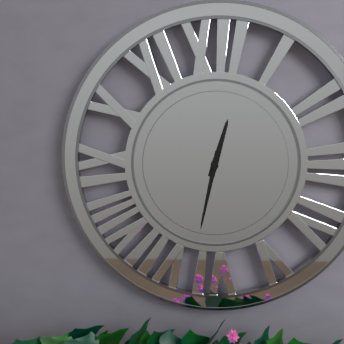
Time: {"hour": 12, "minute": 32}
